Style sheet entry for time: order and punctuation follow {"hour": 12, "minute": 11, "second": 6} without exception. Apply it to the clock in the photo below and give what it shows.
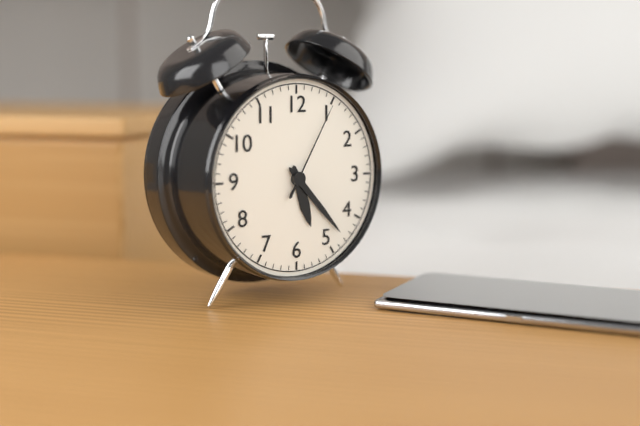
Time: {"hour": 5, "minute": 23, "second": 5}
